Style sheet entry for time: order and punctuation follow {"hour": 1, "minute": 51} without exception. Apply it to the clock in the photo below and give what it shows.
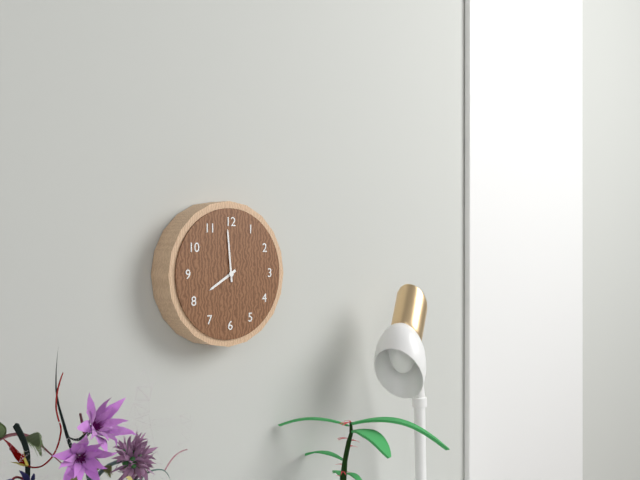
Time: {"hour": 7, "minute": 59}
